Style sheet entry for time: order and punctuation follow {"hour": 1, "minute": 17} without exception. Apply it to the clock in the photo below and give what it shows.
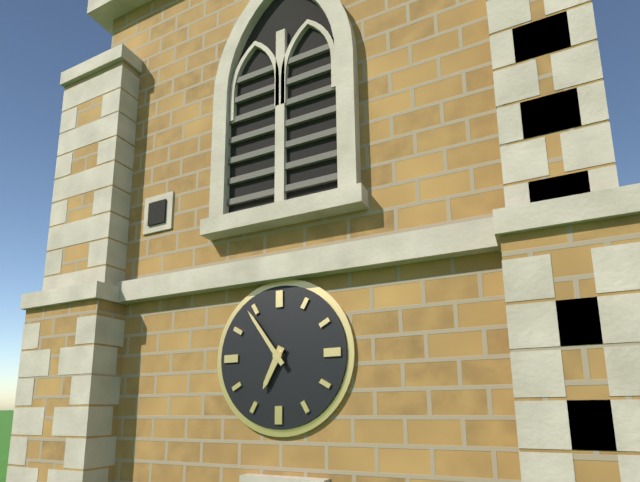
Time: {"hour": 6, "minute": 54}
